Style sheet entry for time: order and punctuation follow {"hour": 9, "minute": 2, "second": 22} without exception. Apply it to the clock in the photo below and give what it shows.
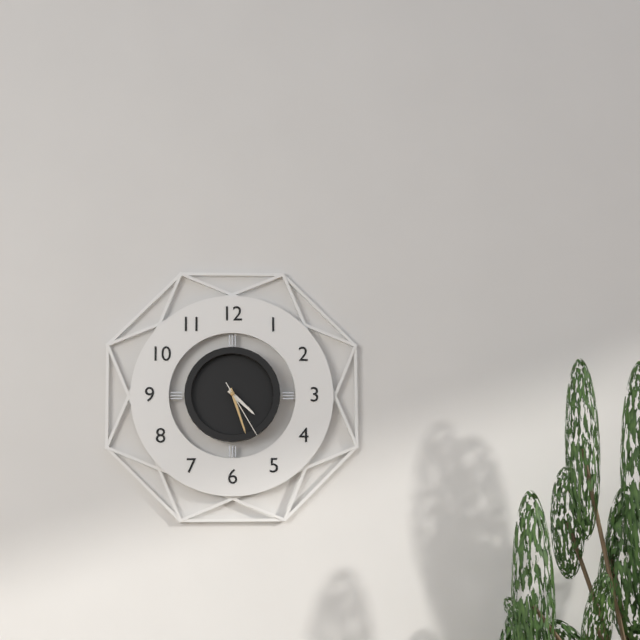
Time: {"hour": 4, "minute": 27, "second": 25}
